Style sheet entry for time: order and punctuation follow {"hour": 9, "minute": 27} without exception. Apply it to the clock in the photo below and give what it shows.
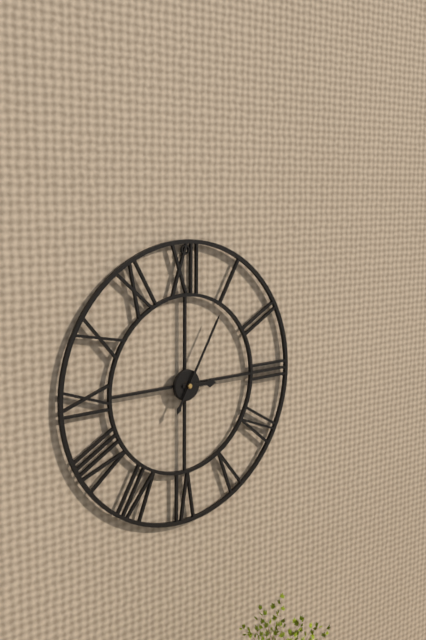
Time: {"hour": 3, "minute": 5}
